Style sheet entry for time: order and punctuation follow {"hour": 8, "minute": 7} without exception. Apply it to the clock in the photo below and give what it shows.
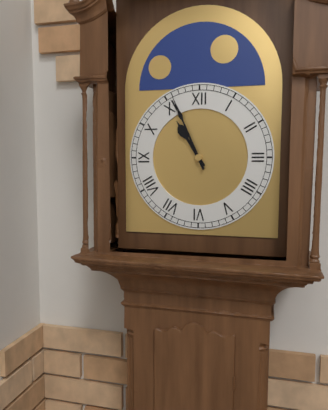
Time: {"hour": 10, "minute": 56}
